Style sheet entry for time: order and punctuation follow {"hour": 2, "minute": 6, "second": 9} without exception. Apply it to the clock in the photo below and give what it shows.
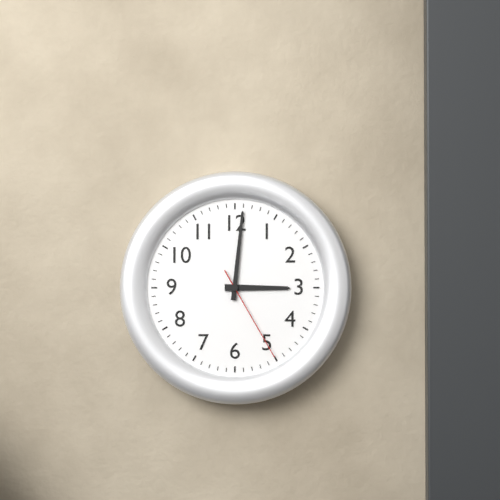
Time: {"hour": 3, "minute": 1, "second": 25}
